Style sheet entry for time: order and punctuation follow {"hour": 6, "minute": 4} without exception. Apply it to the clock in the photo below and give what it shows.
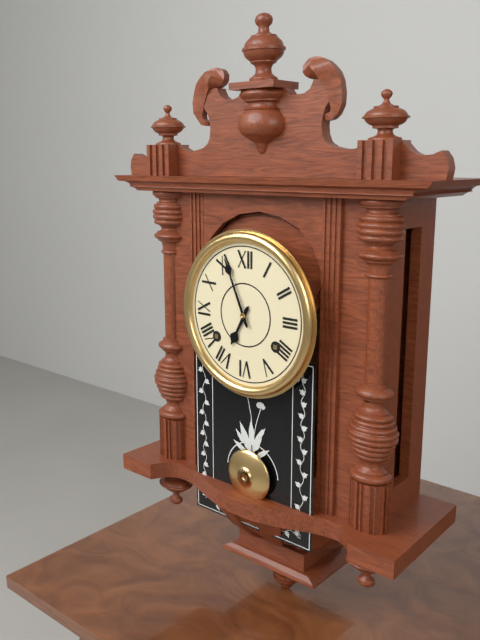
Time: {"hour": 6, "minute": 56}
